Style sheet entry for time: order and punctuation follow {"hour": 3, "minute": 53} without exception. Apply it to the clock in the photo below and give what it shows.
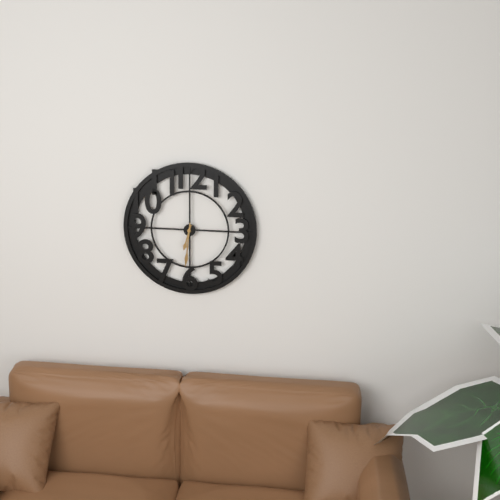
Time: {"hour": 6, "minute": 31}
